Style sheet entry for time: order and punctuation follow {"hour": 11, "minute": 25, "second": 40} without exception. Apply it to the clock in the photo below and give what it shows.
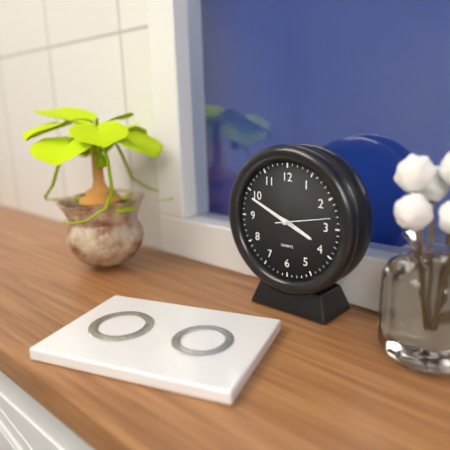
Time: {"hour": 3, "minute": 49, "second": 13}
